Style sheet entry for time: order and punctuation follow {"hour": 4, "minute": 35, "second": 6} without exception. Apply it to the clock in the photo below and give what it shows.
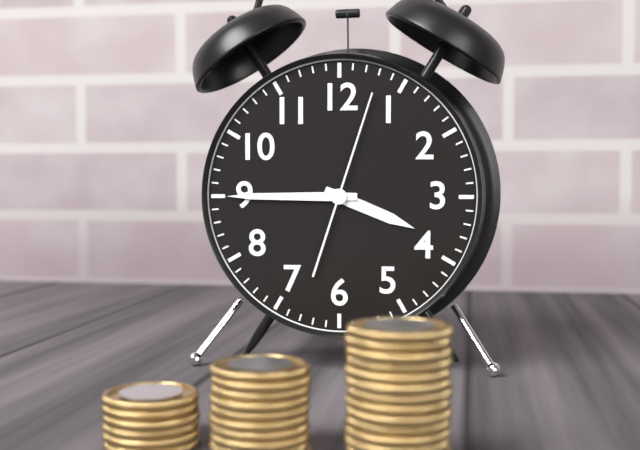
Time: {"hour": 3, "minute": 45, "second": 3}
